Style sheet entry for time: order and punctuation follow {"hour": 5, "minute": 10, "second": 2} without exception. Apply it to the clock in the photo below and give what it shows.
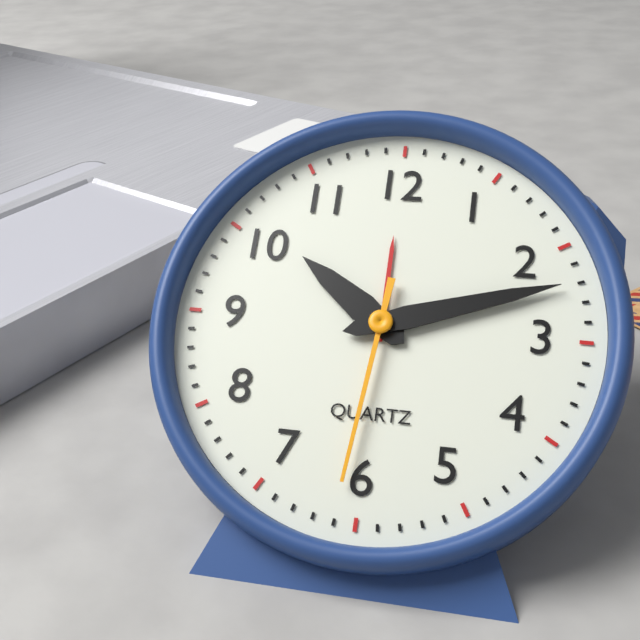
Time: {"hour": 10, "minute": 12, "second": 31}
